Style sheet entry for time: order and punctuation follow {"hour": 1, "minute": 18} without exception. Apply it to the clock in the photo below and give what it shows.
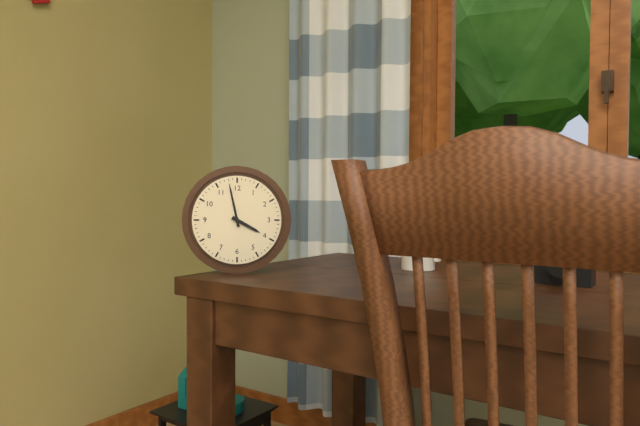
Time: {"hour": 3, "minute": 58}
